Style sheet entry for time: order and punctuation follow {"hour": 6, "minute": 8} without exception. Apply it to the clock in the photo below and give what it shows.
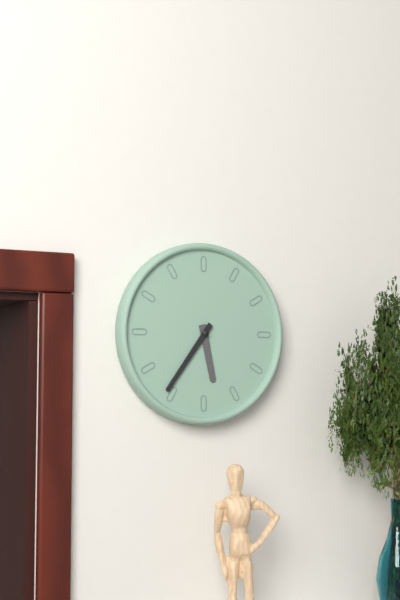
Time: {"hour": 5, "minute": 36}
